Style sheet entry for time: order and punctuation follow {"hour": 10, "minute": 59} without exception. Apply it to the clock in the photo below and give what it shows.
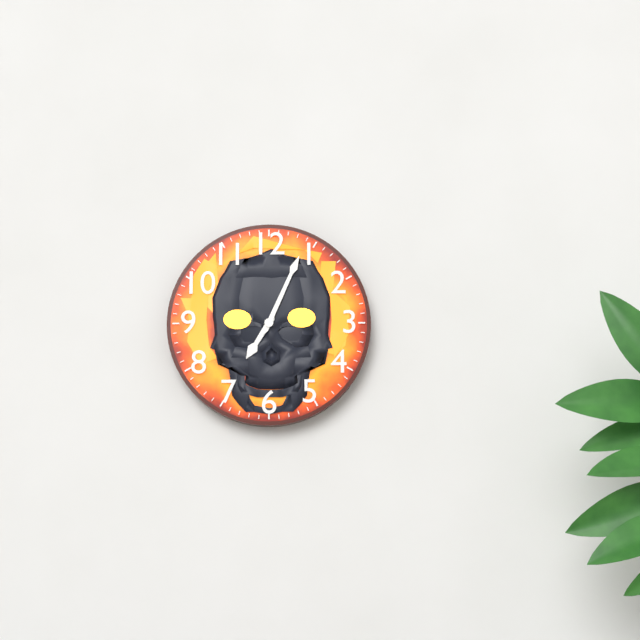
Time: {"hour": 7, "minute": 4}
